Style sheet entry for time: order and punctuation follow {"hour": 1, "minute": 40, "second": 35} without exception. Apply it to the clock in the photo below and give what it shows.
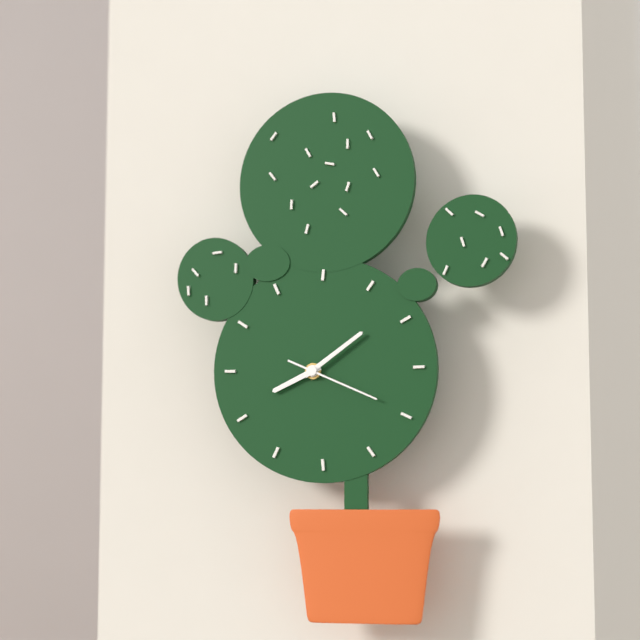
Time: {"hour": 8, "minute": 9, "second": 19}
